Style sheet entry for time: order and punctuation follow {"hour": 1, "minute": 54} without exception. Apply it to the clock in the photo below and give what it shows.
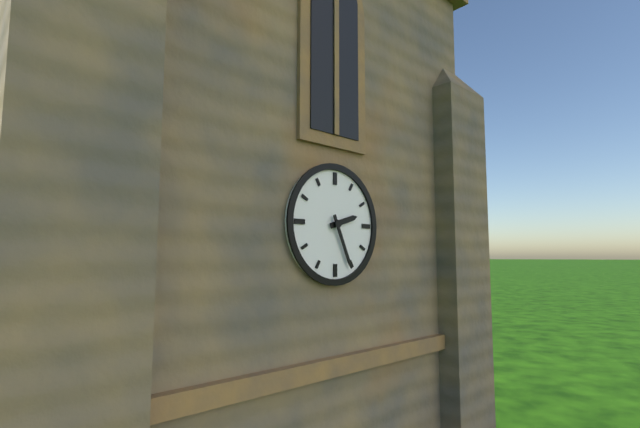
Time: {"hour": 2, "minute": 26}
